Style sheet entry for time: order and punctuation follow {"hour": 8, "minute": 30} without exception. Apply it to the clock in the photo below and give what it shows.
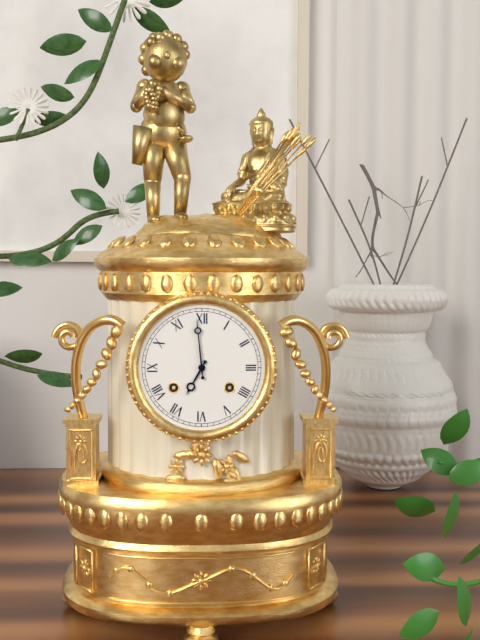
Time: {"hour": 6, "minute": 59}
